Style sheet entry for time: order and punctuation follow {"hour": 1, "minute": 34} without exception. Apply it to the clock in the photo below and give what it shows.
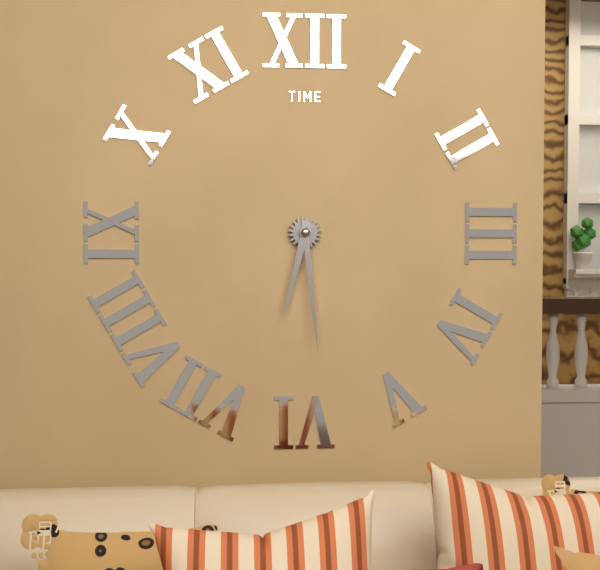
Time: {"hour": 6, "minute": 29}
